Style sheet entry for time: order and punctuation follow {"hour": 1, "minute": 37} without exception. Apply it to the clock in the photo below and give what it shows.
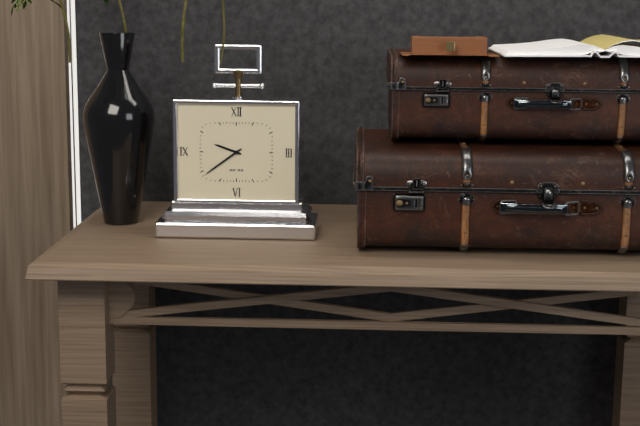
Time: {"hour": 9, "minute": 39}
